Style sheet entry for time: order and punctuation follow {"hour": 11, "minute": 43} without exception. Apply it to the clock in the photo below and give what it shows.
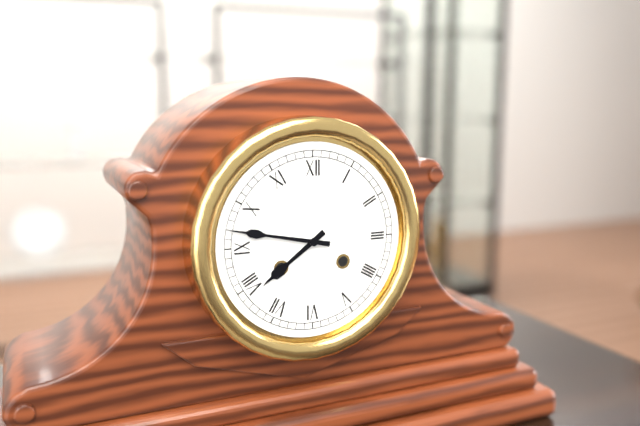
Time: {"hour": 7, "minute": 47}
